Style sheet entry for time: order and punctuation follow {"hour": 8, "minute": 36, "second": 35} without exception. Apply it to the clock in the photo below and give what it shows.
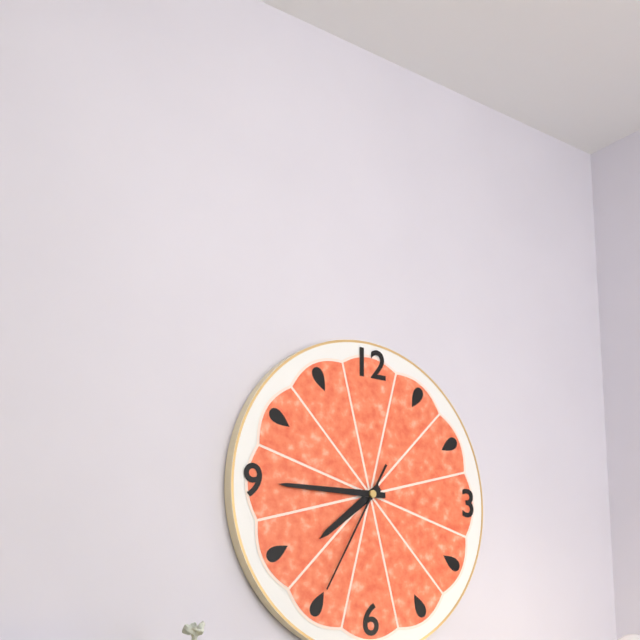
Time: {"hour": 7, "minute": 45, "second": 35}
